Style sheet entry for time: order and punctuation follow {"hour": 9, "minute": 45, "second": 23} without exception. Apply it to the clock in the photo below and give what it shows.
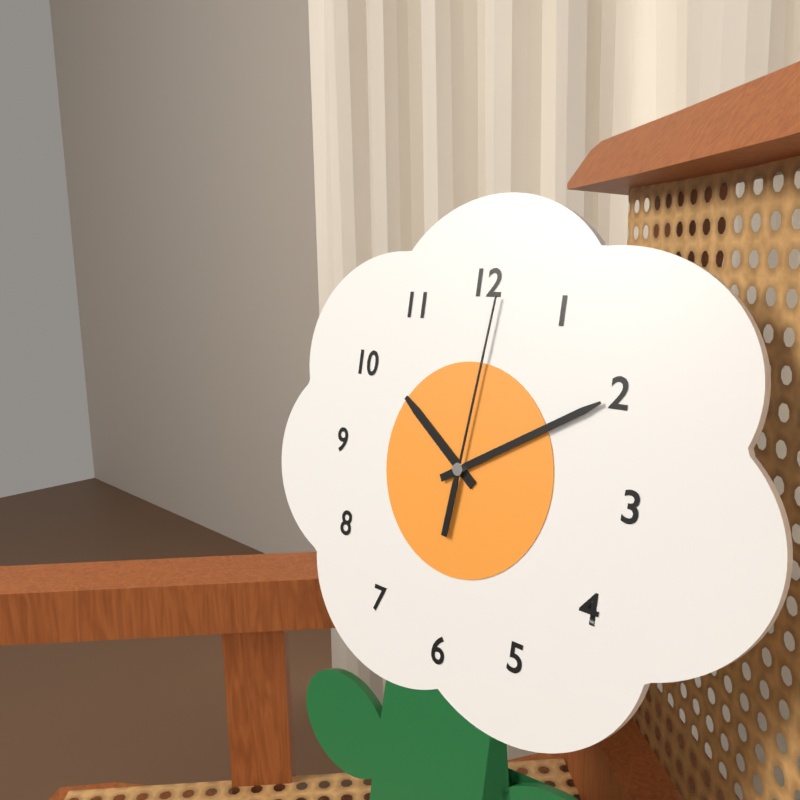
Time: {"hour": 10, "minute": 10, "second": 1}
